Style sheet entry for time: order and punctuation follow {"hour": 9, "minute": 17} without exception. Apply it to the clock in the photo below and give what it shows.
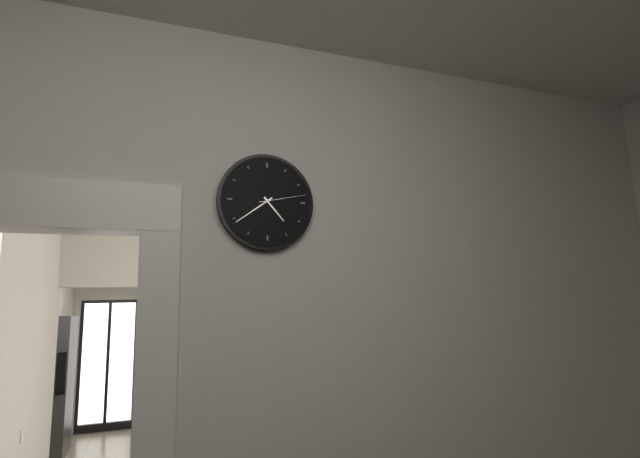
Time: {"hour": 4, "minute": 39}
